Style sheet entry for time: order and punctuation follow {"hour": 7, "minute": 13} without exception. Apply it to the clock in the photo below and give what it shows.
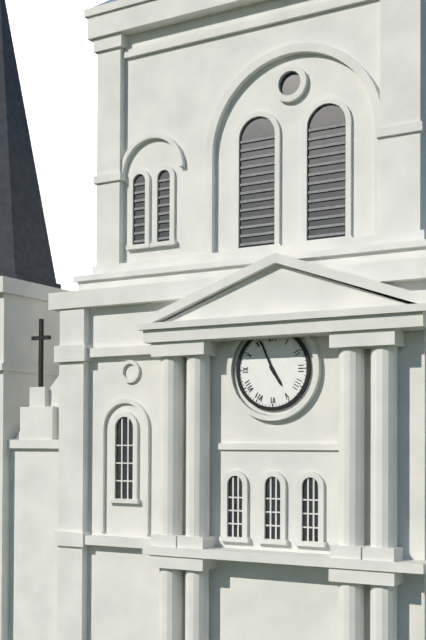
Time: {"hour": 4, "minute": 56}
